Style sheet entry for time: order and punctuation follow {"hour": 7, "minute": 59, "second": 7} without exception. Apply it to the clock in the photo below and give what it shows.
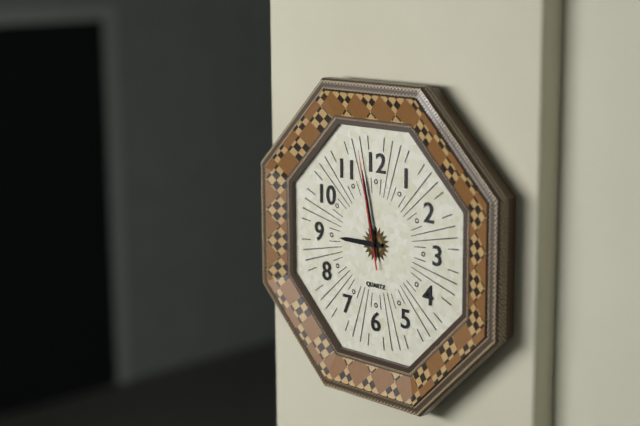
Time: {"hour": 8, "minute": 58, "second": 58}
